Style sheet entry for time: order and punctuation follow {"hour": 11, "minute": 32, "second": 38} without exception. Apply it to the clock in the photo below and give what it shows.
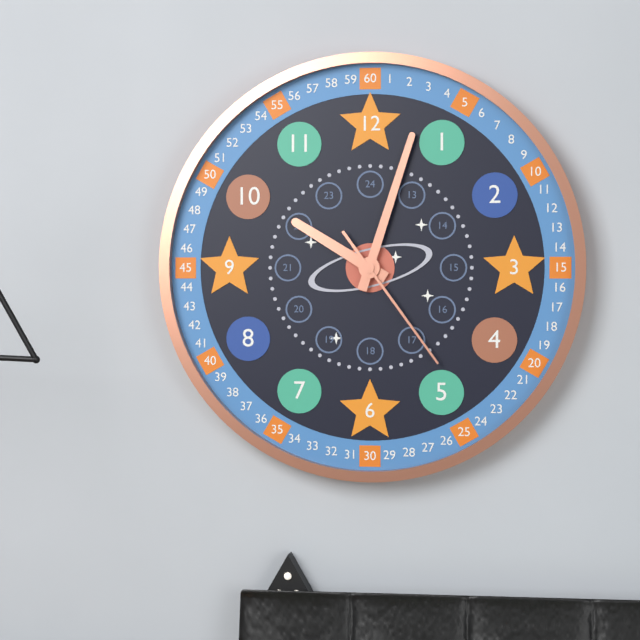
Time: {"hour": 10, "minute": 3, "second": 24}
